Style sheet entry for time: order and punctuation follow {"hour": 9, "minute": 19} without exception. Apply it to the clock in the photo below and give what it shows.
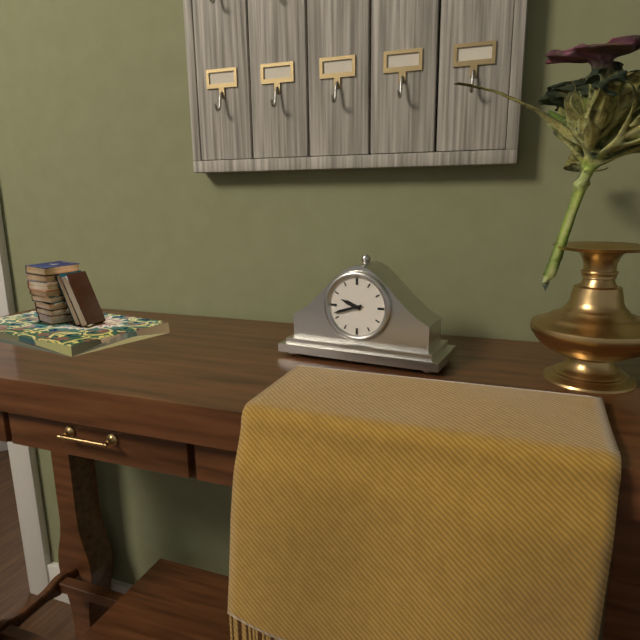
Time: {"hour": 9, "minute": 42}
